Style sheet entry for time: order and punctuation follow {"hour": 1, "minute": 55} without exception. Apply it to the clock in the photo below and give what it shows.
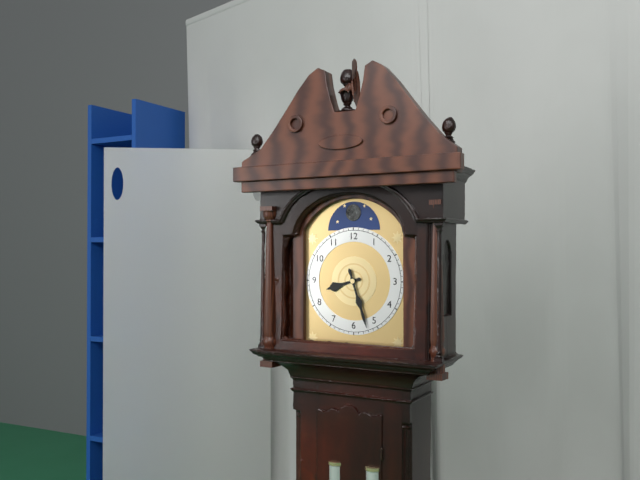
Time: {"hour": 8, "minute": 27}
